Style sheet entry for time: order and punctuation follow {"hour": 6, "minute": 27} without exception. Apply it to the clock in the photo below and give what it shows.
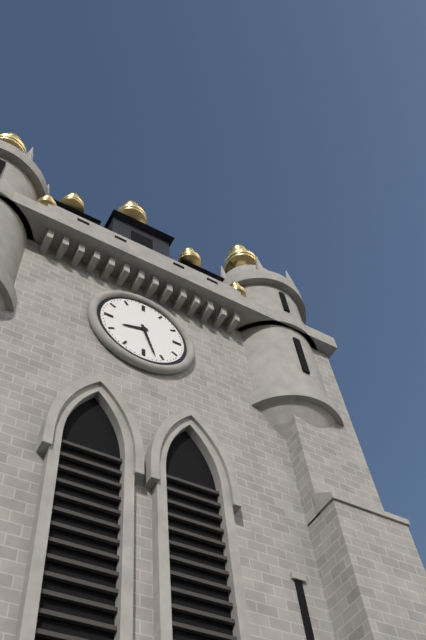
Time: {"hour": 8, "minute": 27}
